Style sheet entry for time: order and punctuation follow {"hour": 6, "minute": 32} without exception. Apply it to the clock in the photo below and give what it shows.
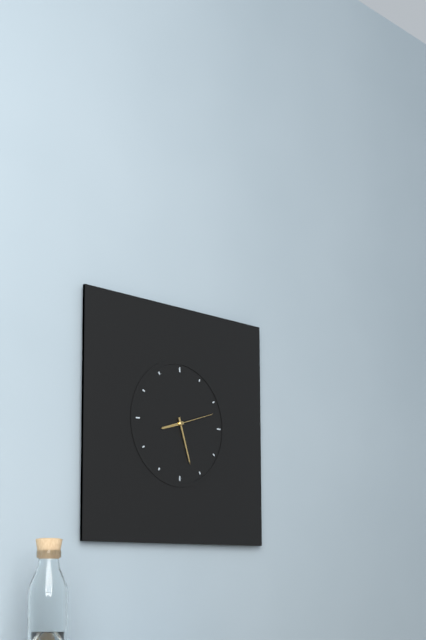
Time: {"hour": 8, "minute": 27}
